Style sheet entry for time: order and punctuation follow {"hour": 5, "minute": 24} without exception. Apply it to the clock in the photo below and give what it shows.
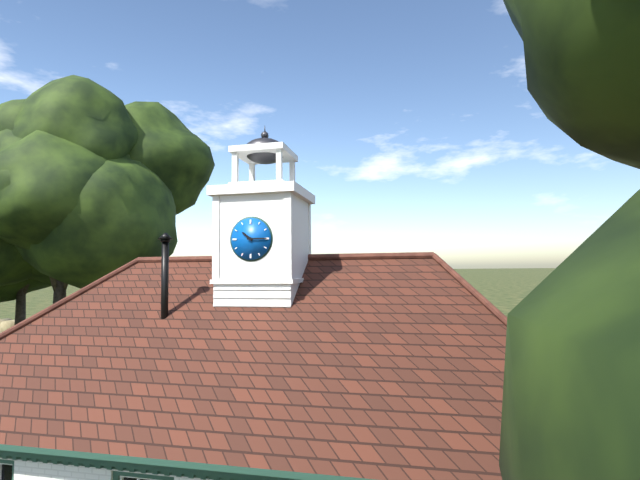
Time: {"hour": 10, "minute": 15}
